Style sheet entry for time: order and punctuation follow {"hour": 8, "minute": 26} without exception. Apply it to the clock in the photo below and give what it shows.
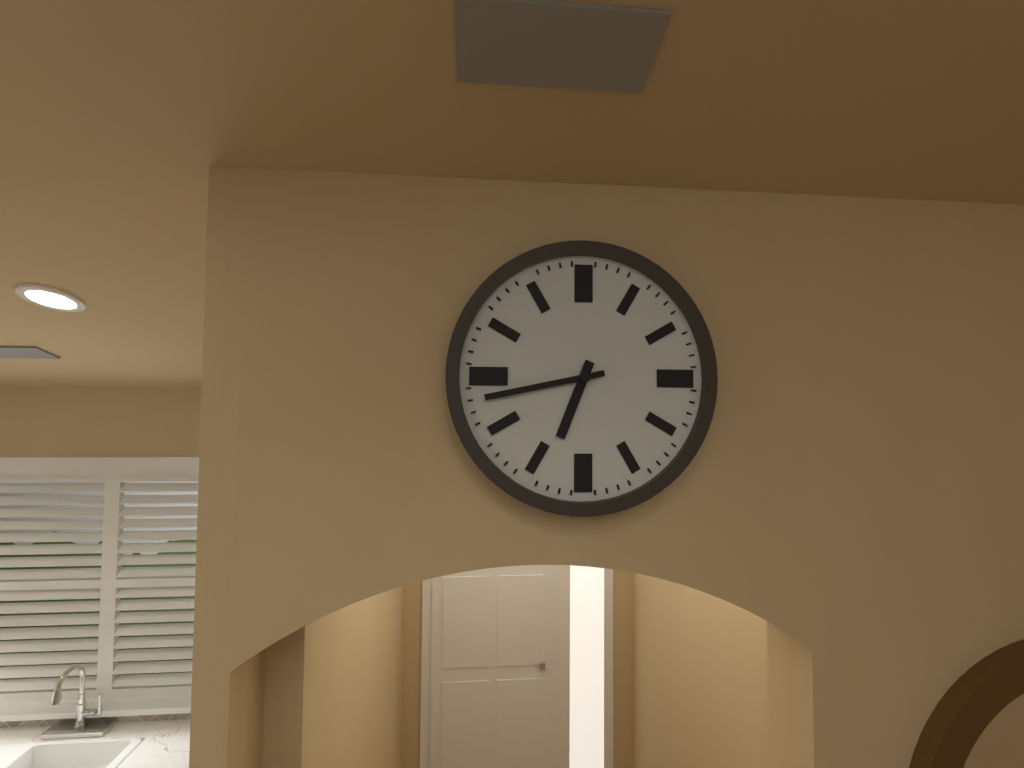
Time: {"hour": 6, "minute": 43}
